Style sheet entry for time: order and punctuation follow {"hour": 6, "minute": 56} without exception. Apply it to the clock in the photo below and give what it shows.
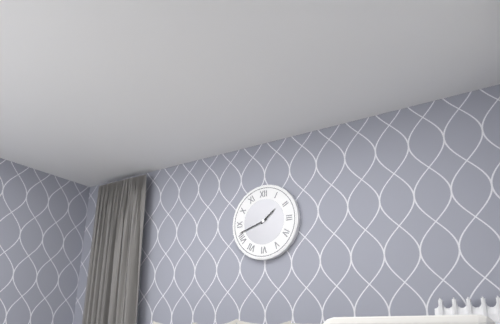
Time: {"hour": 1, "minute": 42}
